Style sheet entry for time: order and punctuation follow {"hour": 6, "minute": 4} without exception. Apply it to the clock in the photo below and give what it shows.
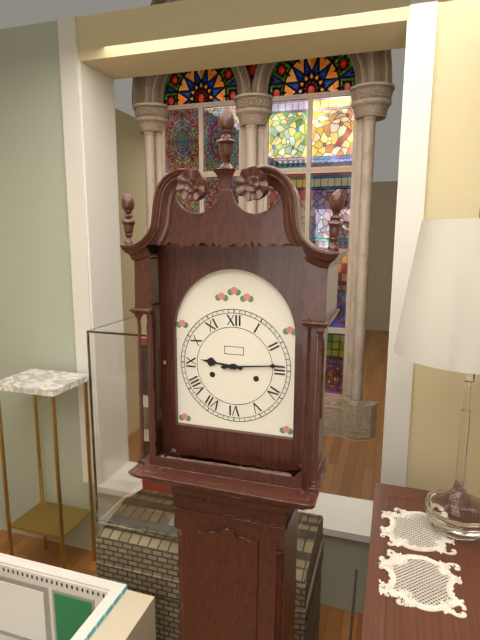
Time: {"hour": 9, "minute": 14}
